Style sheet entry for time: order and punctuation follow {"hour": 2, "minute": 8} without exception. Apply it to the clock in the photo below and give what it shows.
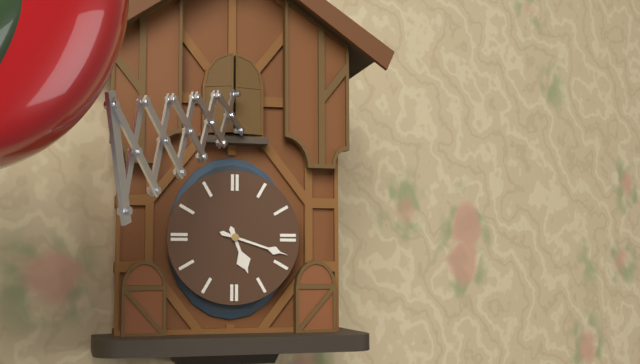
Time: {"hour": 5, "minute": 18}
